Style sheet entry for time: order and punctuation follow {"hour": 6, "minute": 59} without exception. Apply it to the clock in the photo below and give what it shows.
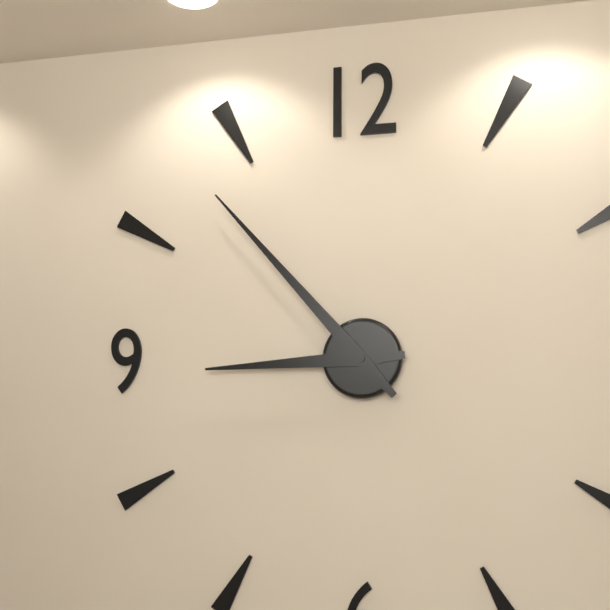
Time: {"hour": 8, "minute": 53}
